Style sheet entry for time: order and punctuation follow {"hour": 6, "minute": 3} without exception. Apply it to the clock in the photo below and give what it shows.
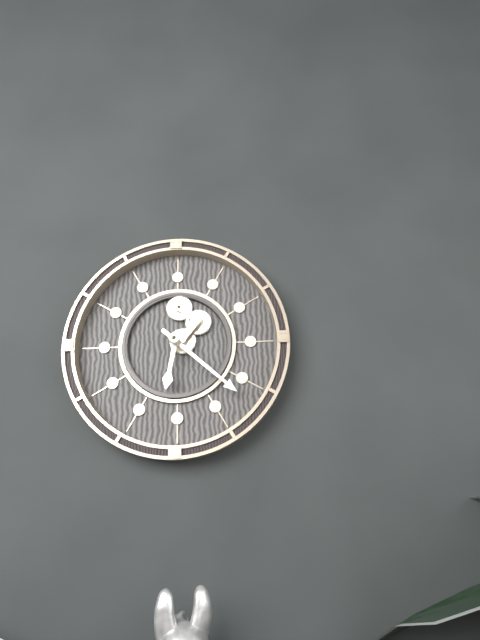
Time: {"hour": 6, "minute": 22}
